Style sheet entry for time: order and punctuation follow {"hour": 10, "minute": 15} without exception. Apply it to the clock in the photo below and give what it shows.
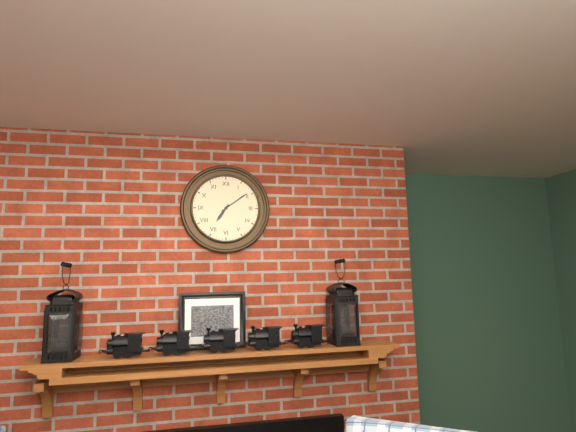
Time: {"hour": 7, "minute": 9}
